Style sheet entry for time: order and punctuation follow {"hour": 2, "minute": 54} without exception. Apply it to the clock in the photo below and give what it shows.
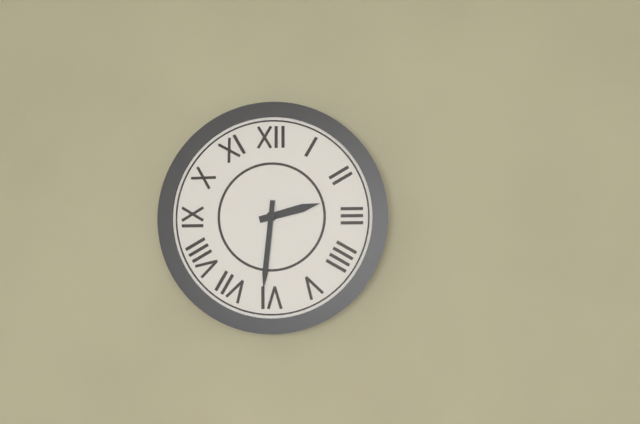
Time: {"hour": 2, "minute": 31}
